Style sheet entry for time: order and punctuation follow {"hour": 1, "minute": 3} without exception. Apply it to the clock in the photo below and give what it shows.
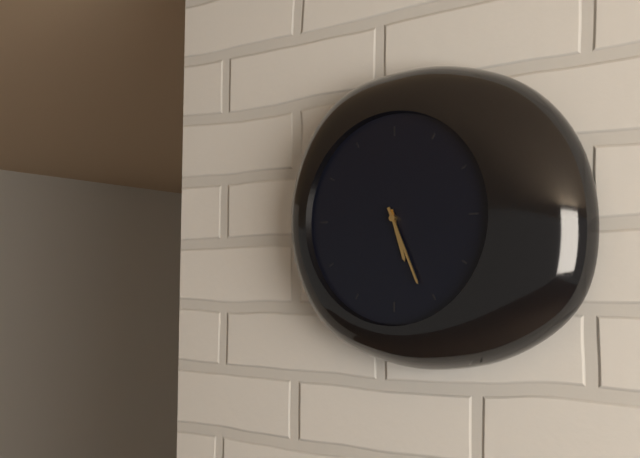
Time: {"hour": 5, "minute": 26}
